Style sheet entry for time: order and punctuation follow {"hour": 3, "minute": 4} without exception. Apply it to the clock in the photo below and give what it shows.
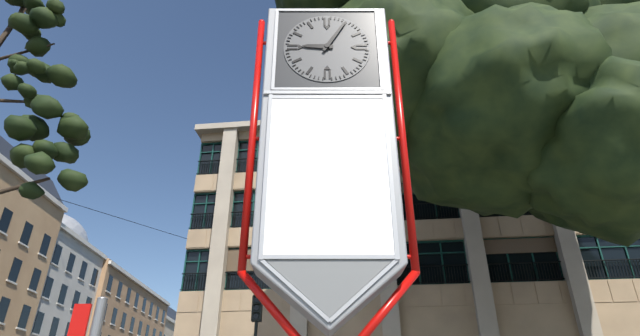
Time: {"hour": 9, "minute": 5}
